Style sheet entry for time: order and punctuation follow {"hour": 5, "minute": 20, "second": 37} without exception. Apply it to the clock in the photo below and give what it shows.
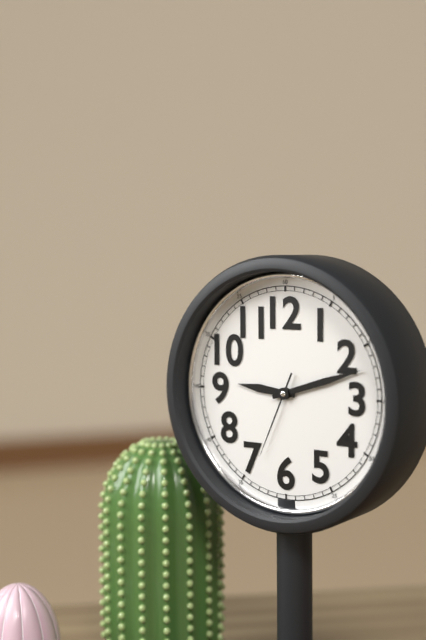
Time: {"hour": 9, "minute": 12, "second": 34}
